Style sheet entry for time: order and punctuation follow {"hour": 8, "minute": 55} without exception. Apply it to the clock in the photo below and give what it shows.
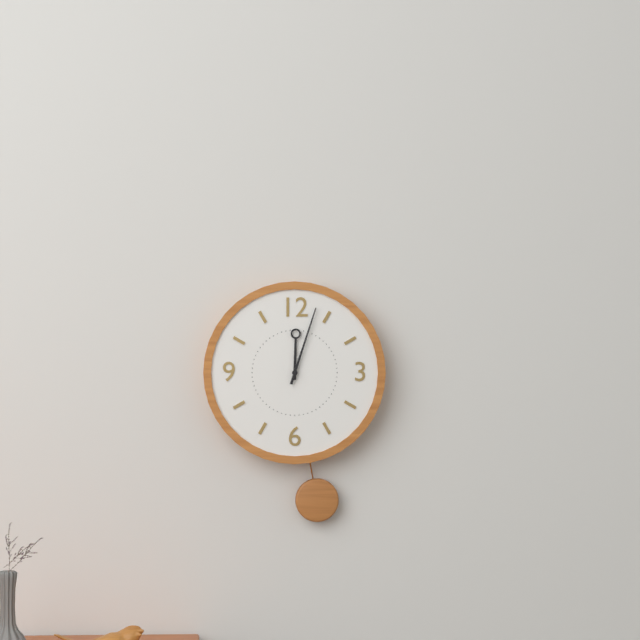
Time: {"hour": 12, "minute": 3}
